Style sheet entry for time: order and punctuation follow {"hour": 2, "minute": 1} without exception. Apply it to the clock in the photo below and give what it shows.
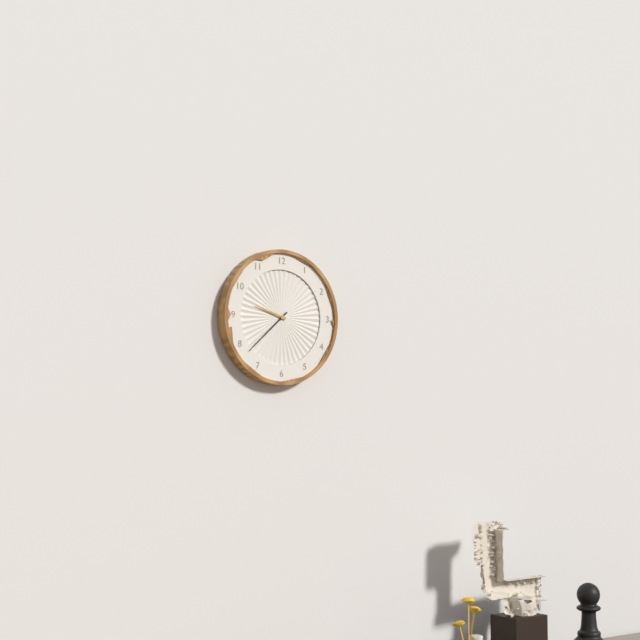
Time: {"hour": 9, "minute": 38}
